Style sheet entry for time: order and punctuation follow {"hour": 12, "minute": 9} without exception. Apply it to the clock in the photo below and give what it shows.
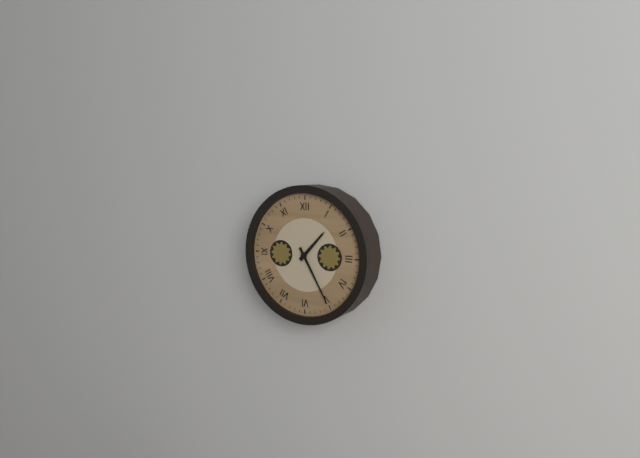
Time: {"hour": 1, "minute": 25}
